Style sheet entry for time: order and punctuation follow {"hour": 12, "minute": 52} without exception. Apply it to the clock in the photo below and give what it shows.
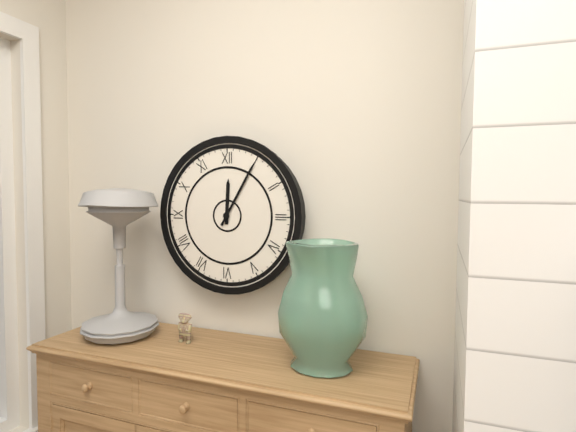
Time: {"hour": 12, "minute": 5}
